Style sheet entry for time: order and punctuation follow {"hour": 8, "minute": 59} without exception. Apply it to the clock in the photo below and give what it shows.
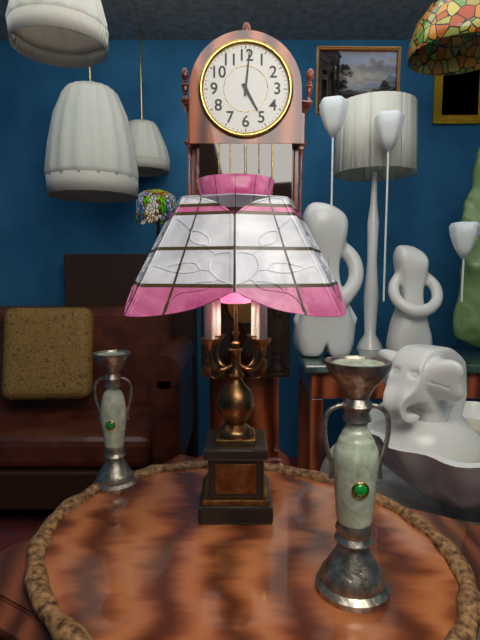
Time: {"hour": 5, "minute": 1}
